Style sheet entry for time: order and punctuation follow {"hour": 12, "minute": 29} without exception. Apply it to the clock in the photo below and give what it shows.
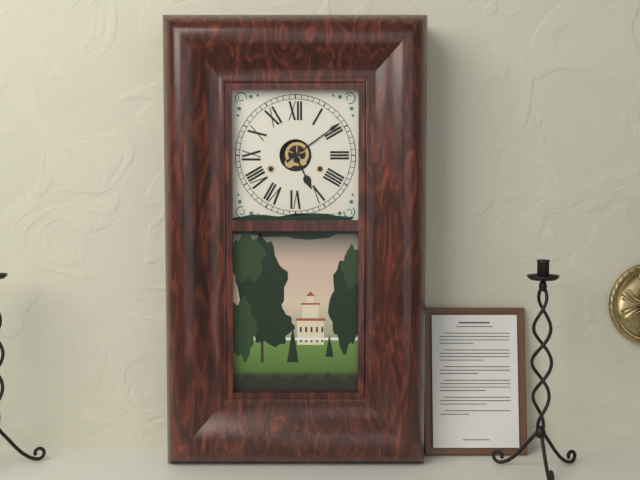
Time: {"hour": 5, "minute": 9}
